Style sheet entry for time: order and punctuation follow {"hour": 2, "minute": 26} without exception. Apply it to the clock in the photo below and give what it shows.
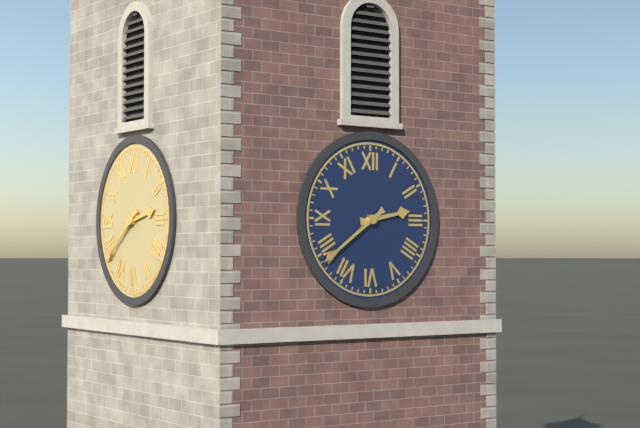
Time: {"hour": 2, "minute": 39}
